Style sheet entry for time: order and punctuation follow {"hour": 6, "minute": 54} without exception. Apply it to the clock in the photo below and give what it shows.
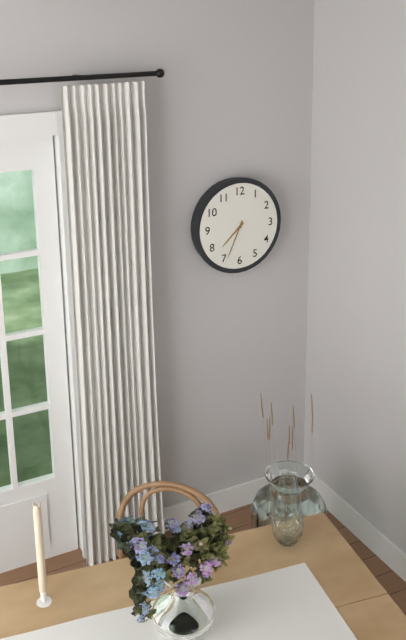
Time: {"hour": 7, "minute": 34}
